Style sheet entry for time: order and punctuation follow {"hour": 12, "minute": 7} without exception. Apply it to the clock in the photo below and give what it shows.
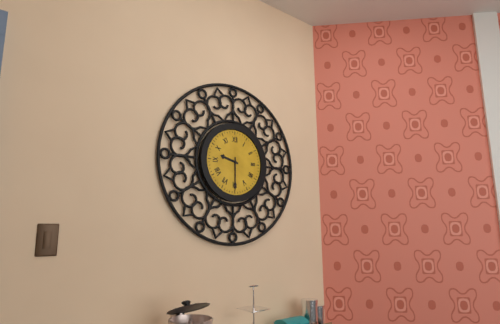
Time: {"hour": 9, "minute": 30}
